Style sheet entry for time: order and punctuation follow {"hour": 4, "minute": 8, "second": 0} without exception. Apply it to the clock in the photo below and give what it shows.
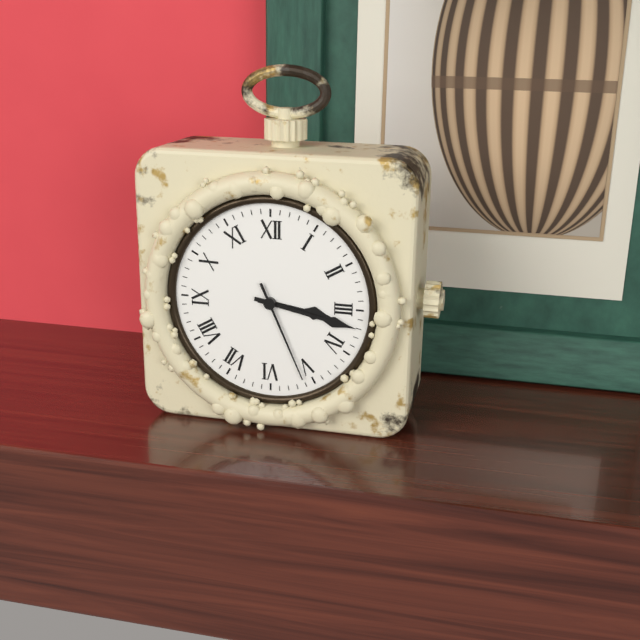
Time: {"hour": 3, "minute": 17, "second": 26}
